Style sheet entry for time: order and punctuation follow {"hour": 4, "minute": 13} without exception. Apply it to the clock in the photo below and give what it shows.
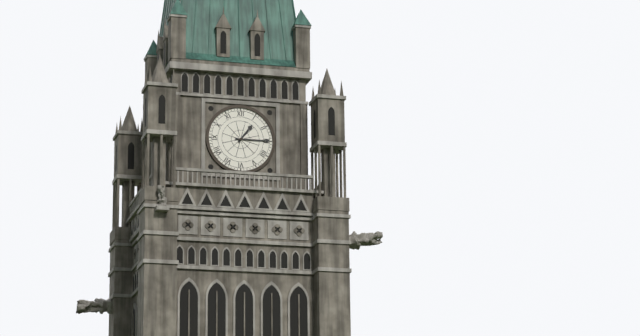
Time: {"hour": 1, "minute": 15}
